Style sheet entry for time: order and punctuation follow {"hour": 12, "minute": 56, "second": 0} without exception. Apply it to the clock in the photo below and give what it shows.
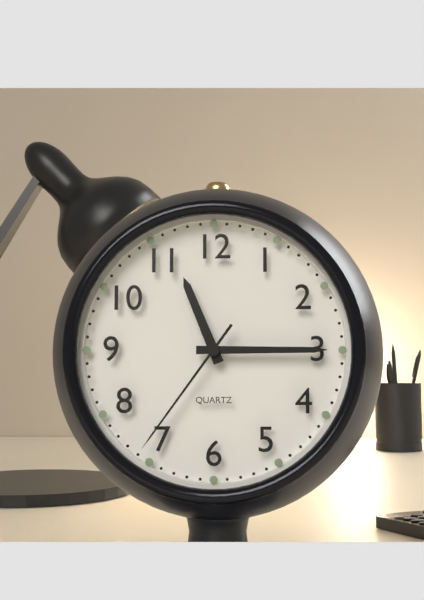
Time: {"hour": 11, "minute": 15, "second": 36}
